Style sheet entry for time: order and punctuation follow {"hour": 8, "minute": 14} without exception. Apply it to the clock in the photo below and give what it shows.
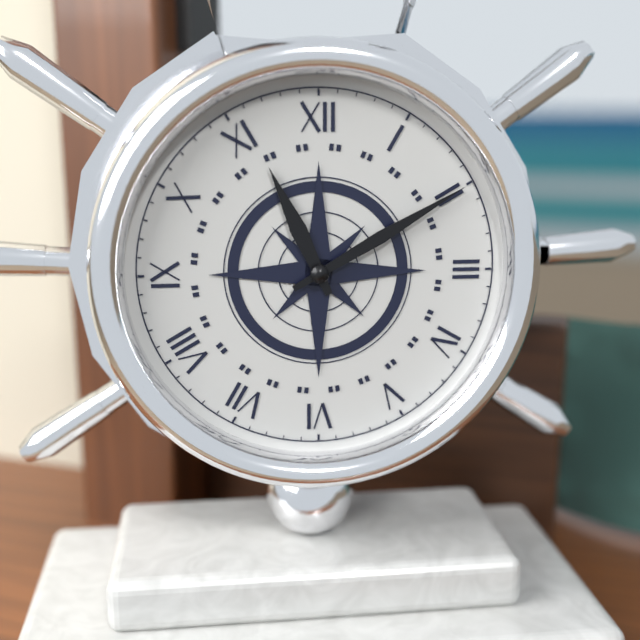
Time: {"hour": 11, "minute": 10}
